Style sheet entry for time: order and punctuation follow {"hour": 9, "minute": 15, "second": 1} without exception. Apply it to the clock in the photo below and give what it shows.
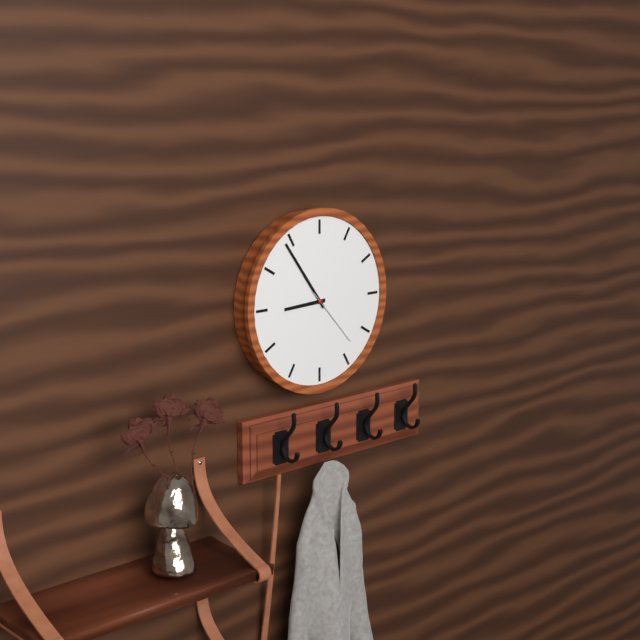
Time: {"hour": 8, "minute": 54, "second": 23}
